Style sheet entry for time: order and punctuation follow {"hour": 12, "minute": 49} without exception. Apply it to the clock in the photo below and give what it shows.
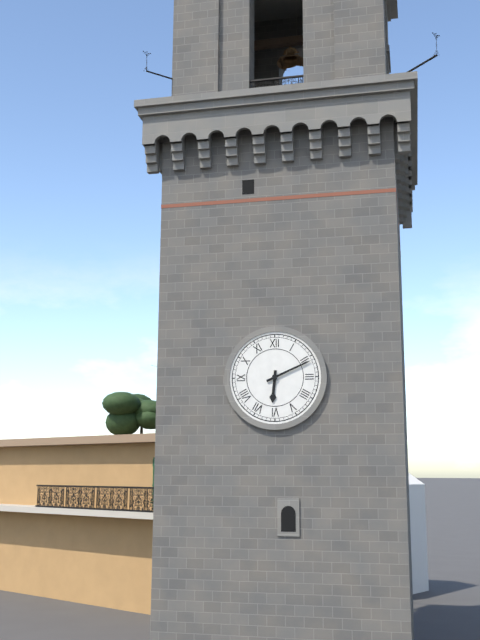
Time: {"hour": 6, "minute": 11}
